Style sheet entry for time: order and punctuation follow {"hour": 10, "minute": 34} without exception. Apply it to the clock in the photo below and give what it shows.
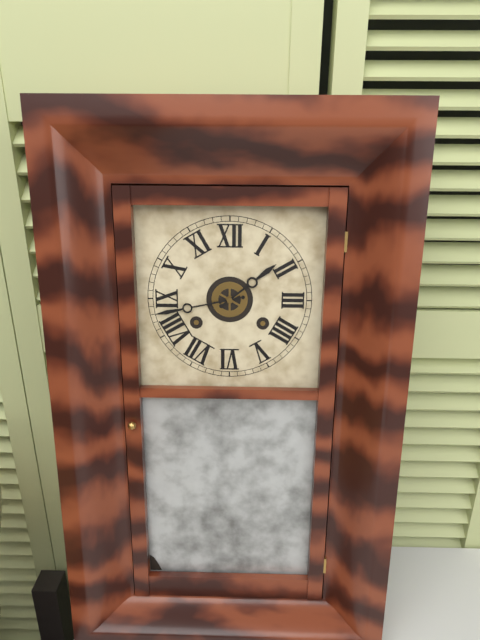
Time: {"hour": 1, "minute": 43}
